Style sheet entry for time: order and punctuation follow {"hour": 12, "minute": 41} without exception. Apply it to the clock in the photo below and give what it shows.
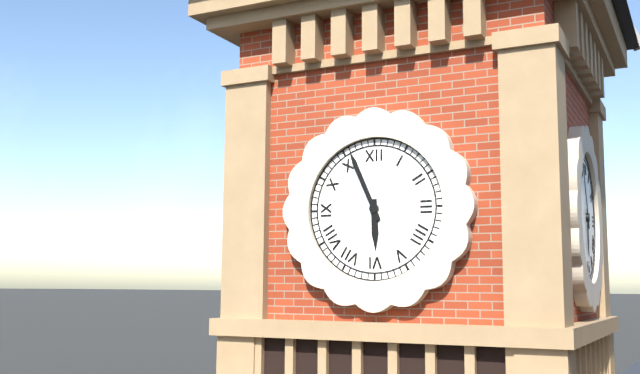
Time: {"hour": 5, "minute": 56}
